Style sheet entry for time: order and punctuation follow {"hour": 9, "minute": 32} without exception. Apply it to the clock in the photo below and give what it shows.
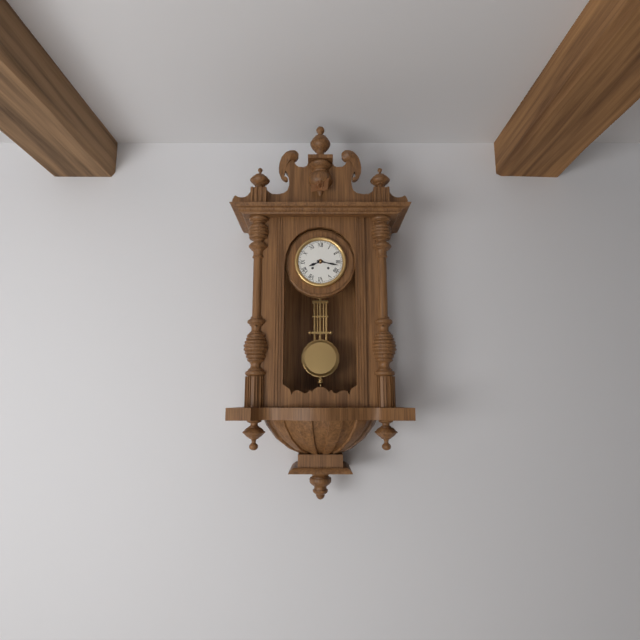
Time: {"hour": 8, "minute": 17}
